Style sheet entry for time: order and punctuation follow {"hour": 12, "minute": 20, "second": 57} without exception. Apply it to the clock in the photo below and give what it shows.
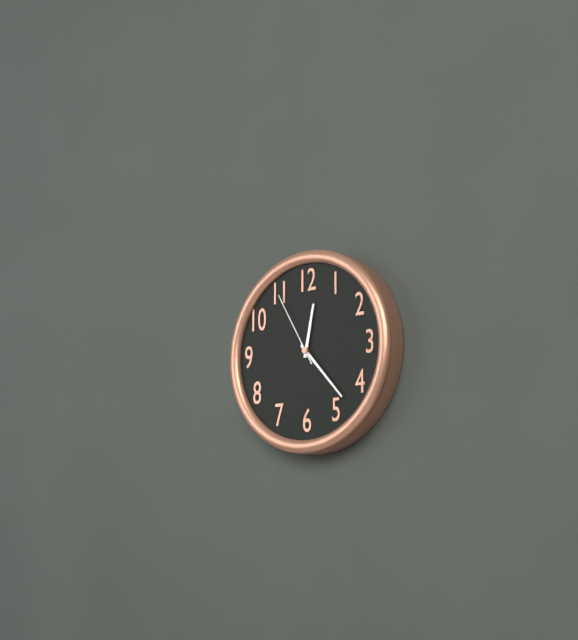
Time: {"hour": 12, "minute": 23, "second": 55}
